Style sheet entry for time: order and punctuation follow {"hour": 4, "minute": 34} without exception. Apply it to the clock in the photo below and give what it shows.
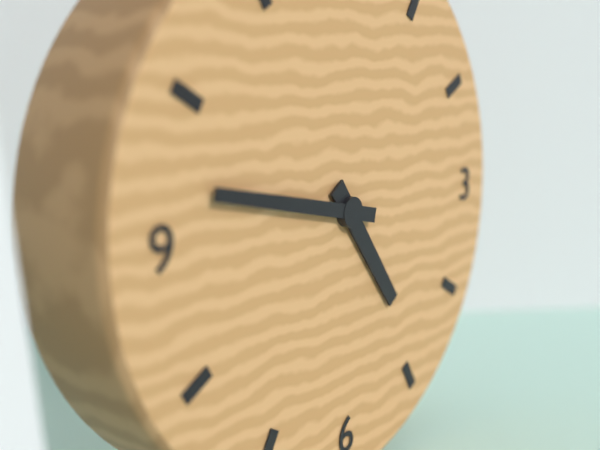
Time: {"hour": 4, "minute": 47}
